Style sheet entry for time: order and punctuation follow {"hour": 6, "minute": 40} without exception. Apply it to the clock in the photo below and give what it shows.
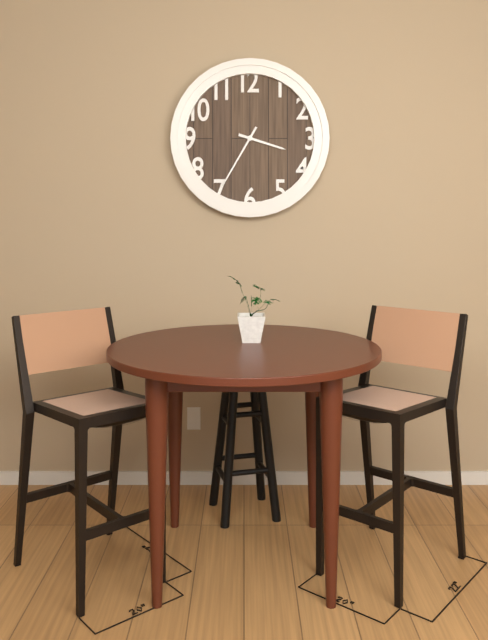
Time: {"hour": 3, "minute": 35}
